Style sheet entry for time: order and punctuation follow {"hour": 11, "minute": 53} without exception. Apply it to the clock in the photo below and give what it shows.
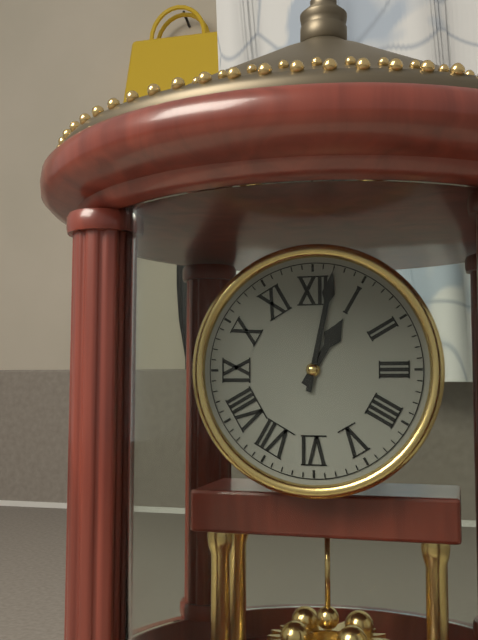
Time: {"hour": 1, "minute": 2}
